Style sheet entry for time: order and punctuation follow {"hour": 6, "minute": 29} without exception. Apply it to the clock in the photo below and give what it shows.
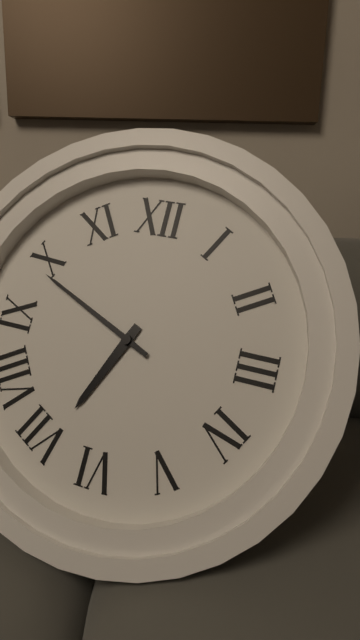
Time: {"hour": 6, "minute": 49}
